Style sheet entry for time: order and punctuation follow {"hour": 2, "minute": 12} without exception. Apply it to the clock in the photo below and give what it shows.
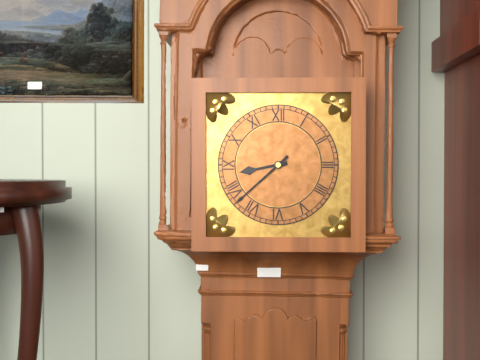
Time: {"hour": 8, "minute": 38}
